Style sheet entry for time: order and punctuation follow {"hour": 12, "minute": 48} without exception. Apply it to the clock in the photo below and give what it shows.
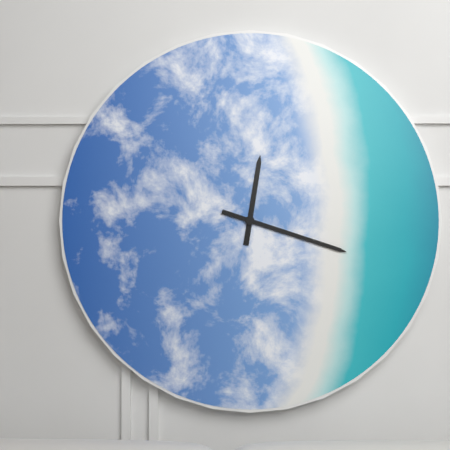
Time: {"hour": 12, "minute": 18}
